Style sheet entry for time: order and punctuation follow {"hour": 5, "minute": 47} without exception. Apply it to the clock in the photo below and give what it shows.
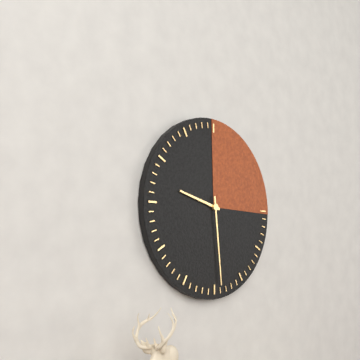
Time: {"hour": 9, "minute": 29}
